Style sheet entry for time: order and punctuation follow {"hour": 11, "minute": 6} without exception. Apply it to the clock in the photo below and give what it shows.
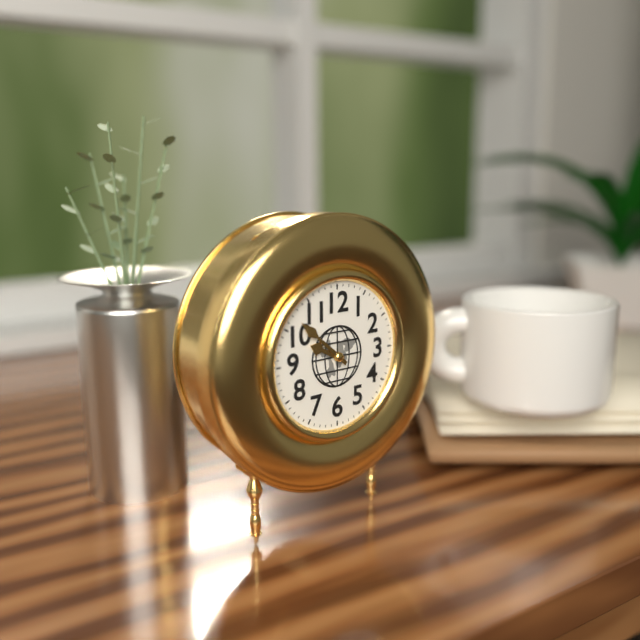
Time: {"hour": 9, "minute": 52}
